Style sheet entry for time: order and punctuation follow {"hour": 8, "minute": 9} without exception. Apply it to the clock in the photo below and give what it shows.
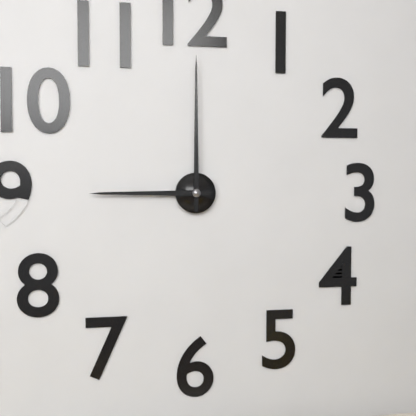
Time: {"hour": 9, "minute": 0}
